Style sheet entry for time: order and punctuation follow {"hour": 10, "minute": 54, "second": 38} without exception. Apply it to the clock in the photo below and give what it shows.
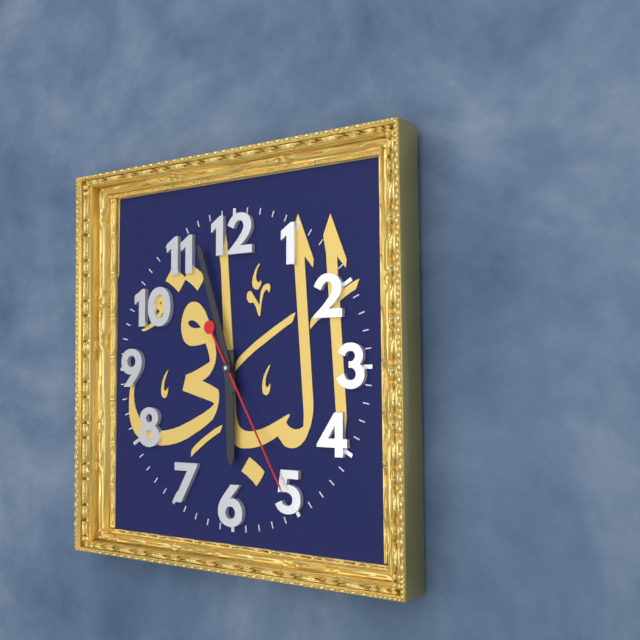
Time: {"hour": 5, "minute": 57, "second": 25}
